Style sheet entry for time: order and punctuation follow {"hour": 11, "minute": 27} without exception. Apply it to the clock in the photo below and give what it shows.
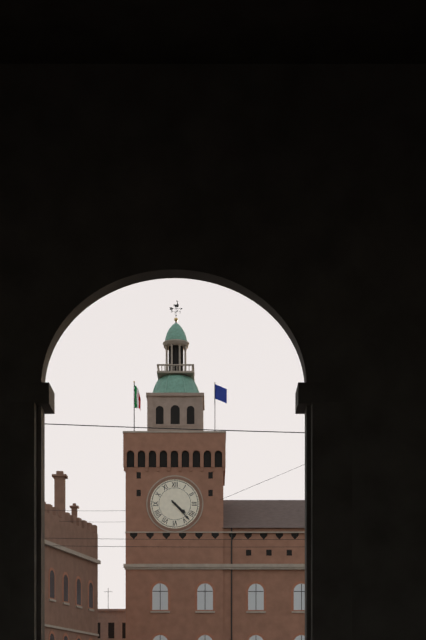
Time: {"hour": 4, "minute": 23}
